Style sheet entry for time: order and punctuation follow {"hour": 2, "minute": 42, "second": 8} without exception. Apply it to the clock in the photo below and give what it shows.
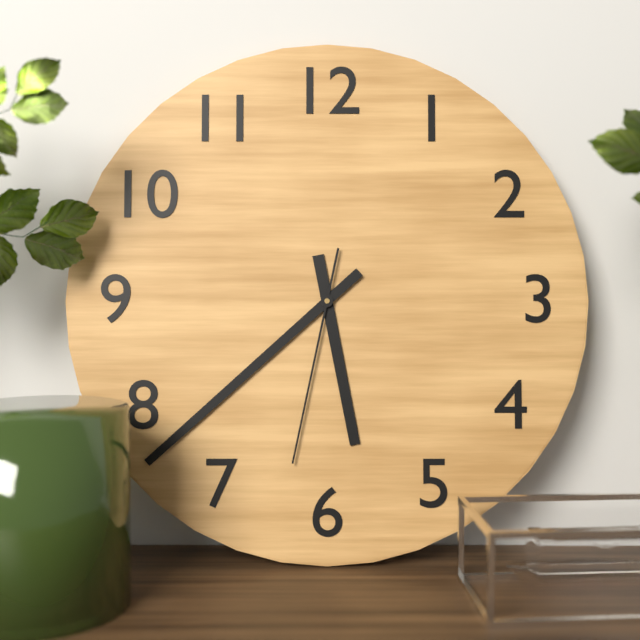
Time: {"hour": 5, "minute": 38, "second": 32}
